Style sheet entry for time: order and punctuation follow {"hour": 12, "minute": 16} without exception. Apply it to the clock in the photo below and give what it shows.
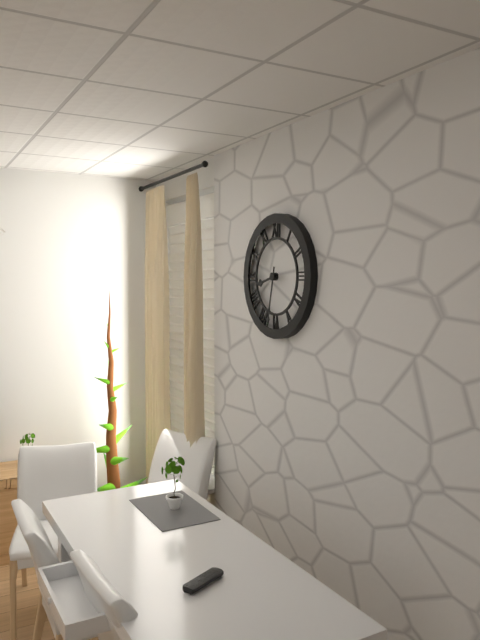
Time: {"hour": 8, "minute": 32}
